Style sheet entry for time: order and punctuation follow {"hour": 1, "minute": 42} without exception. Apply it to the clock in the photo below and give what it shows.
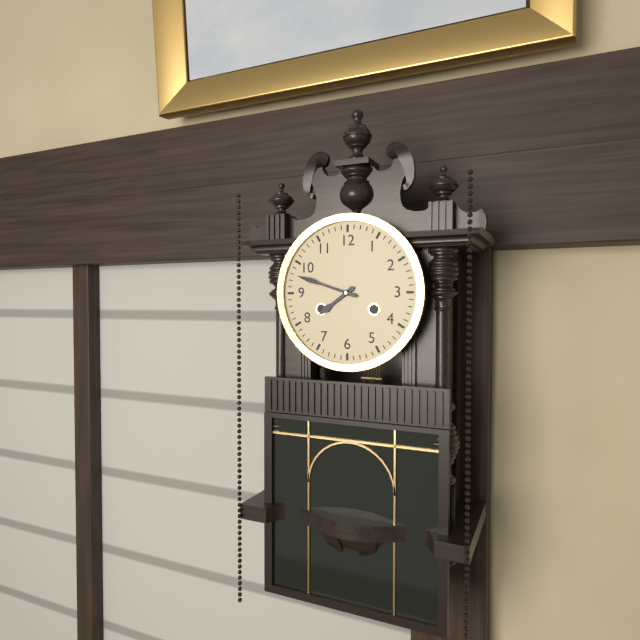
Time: {"hour": 7, "minute": 48}
